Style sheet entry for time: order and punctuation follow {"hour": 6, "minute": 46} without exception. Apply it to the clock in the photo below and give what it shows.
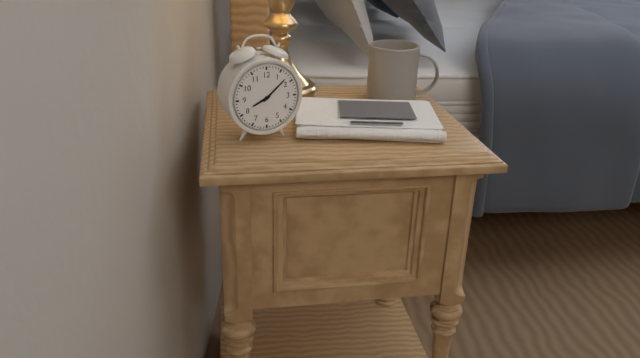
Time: {"hour": 8, "minute": 8}
